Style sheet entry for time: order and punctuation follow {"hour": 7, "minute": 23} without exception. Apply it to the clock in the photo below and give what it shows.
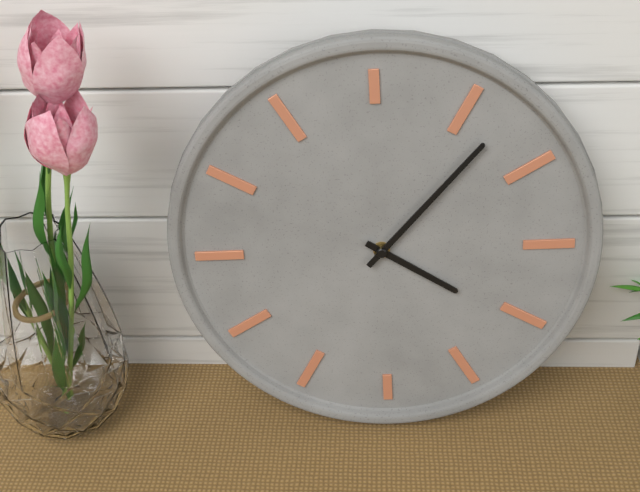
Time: {"hour": 4, "minute": 7}
